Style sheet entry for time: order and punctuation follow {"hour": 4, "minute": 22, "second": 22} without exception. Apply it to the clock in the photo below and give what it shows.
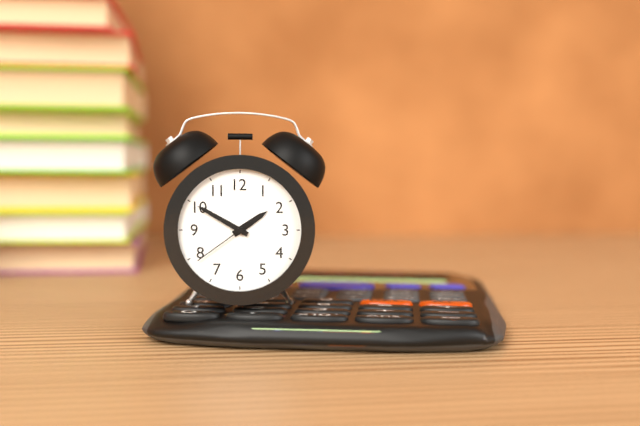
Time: {"hour": 1, "minute": 50, "second": 39}
